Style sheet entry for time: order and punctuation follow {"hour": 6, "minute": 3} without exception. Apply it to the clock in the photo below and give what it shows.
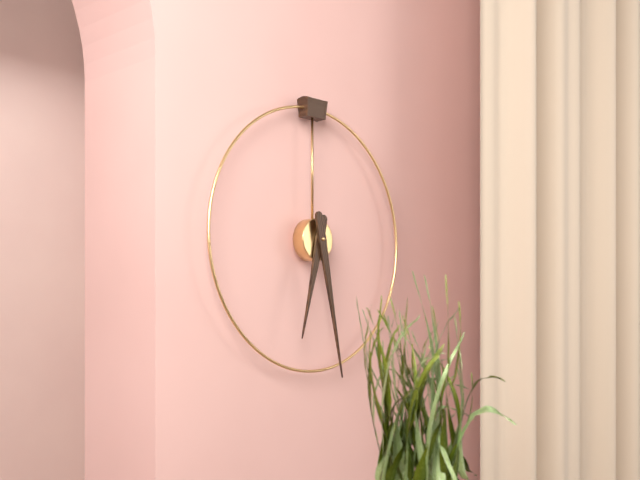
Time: {"hour": 6, "minute": 28}
